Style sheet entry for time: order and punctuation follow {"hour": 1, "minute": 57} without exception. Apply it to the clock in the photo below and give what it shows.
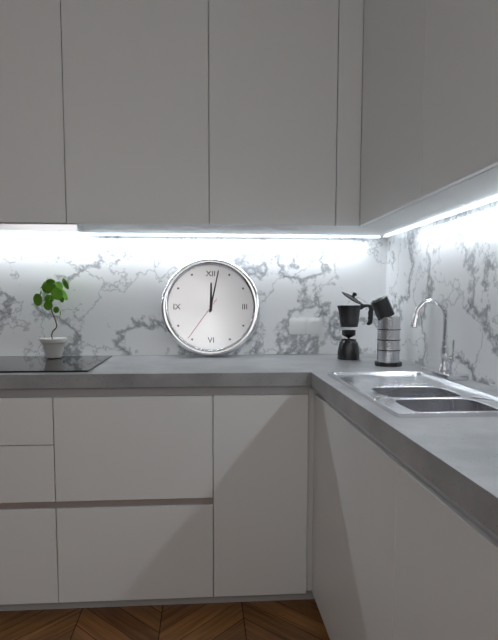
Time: {"hour": 12, "minute": 2}
